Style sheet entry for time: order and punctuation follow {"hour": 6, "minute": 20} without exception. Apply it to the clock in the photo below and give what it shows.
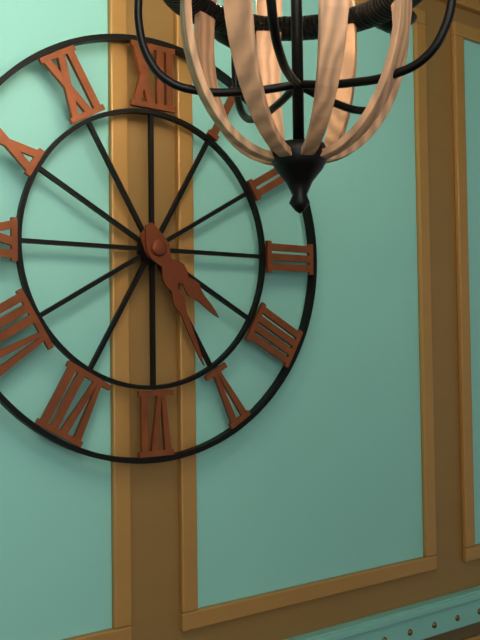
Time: {"hour": 4, "minute": 26}
